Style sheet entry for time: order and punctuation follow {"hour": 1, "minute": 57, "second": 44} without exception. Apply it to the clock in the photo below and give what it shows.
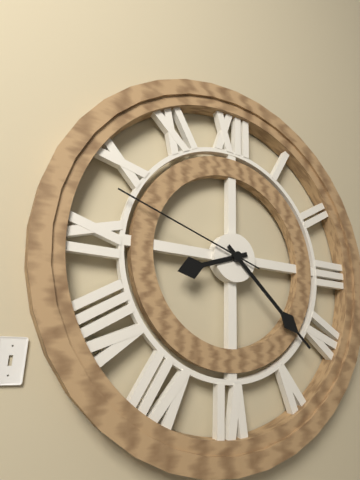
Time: {"hour": 8, "minute": 22, "second": 48}
